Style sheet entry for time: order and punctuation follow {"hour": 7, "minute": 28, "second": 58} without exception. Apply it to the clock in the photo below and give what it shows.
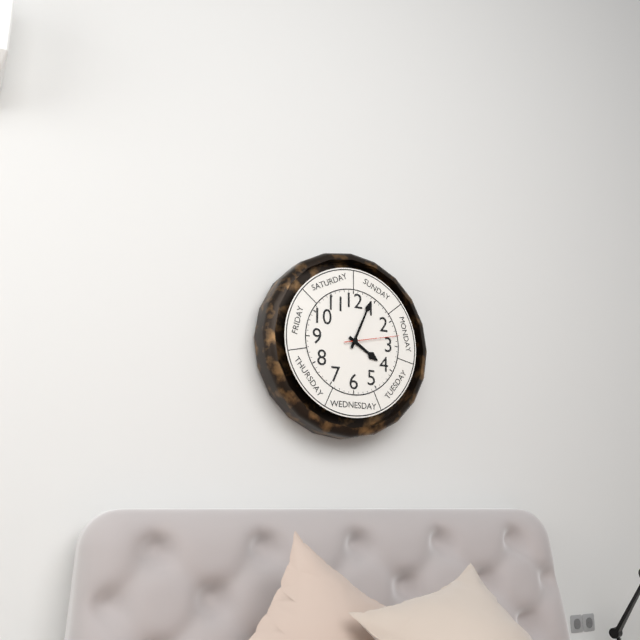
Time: {"hour": 4, "minute": 4, "second": 13}
